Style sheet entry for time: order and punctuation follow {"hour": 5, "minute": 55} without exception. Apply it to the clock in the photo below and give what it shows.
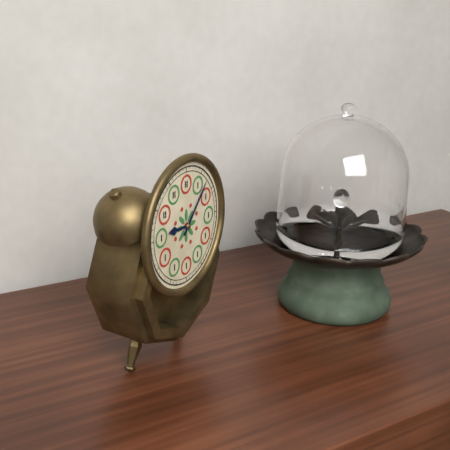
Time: {"hour": 9, "minute": 7}
